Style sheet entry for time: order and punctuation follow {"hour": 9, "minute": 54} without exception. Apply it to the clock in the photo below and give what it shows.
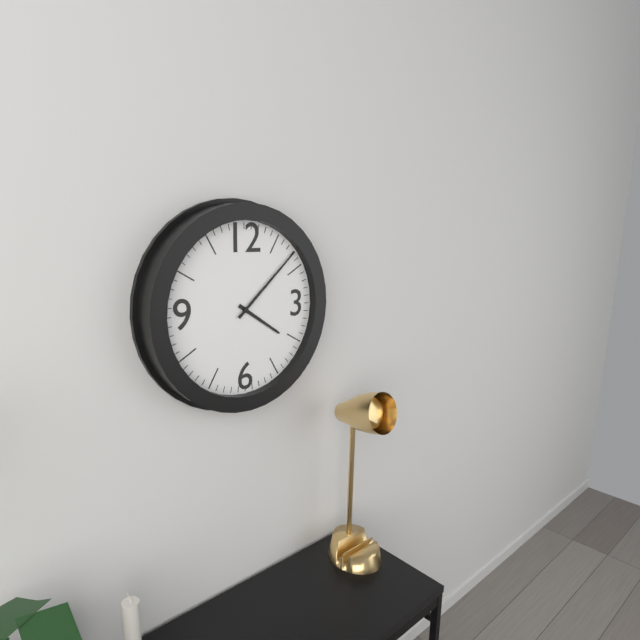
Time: {"hour": 4, "minute": 8}
